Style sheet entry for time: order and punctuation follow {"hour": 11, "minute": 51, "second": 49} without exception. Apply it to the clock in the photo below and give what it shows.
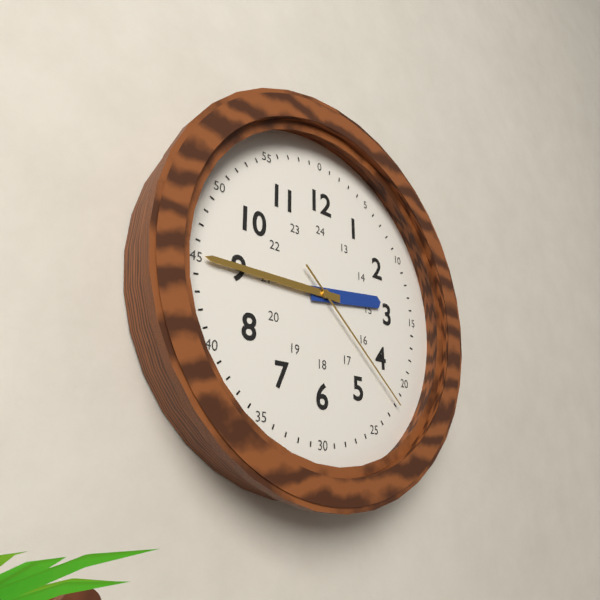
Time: {"hour": 2, "minute": 45, "second": 22}
